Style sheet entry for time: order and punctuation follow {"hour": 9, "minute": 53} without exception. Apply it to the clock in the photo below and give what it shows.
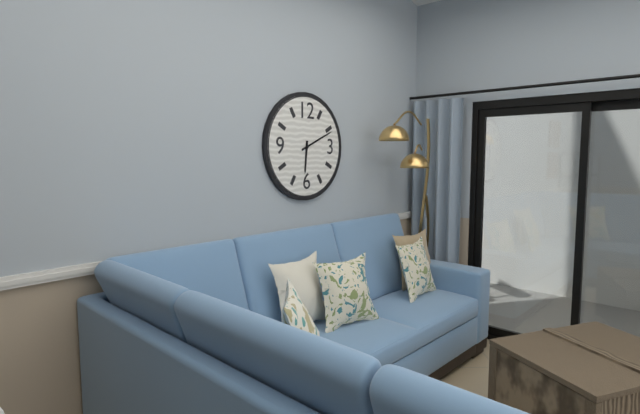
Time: {"hour": 6, "minute": 11}
